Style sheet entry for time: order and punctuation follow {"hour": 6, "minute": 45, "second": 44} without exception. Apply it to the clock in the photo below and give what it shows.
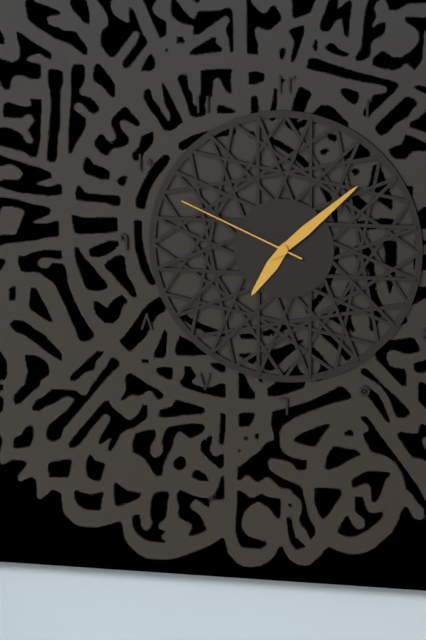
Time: {"hour": 7, "minute": 8, "second": 49}
